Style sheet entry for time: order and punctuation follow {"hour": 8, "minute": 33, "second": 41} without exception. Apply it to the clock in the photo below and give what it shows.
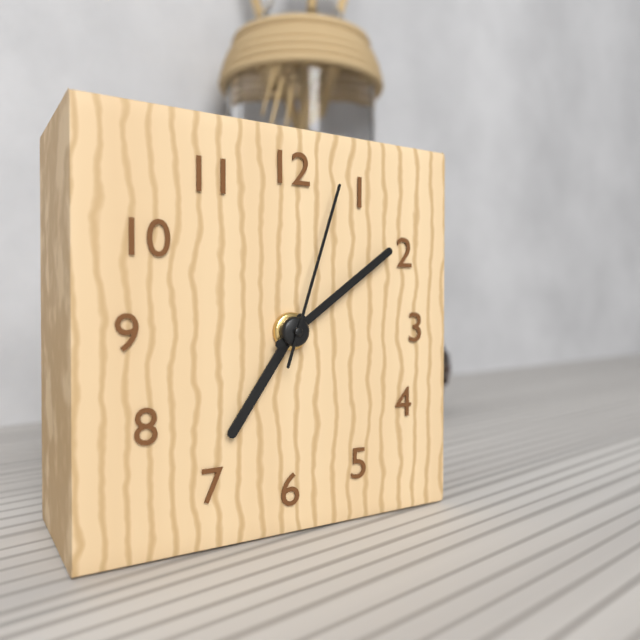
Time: {"hour": 7, "minute": 9, "second": 3}
